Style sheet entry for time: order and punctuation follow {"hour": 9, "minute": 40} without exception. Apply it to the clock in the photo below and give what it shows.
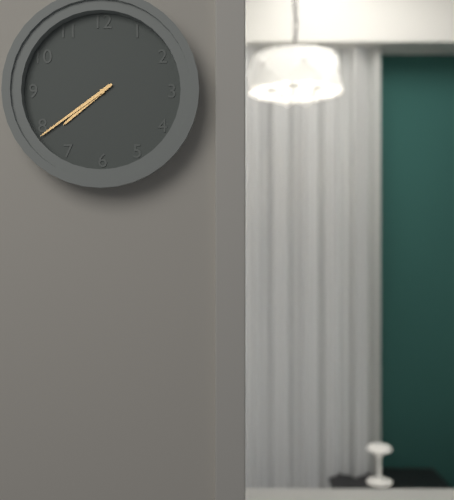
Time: {"hour": 7, "minute": 39}
